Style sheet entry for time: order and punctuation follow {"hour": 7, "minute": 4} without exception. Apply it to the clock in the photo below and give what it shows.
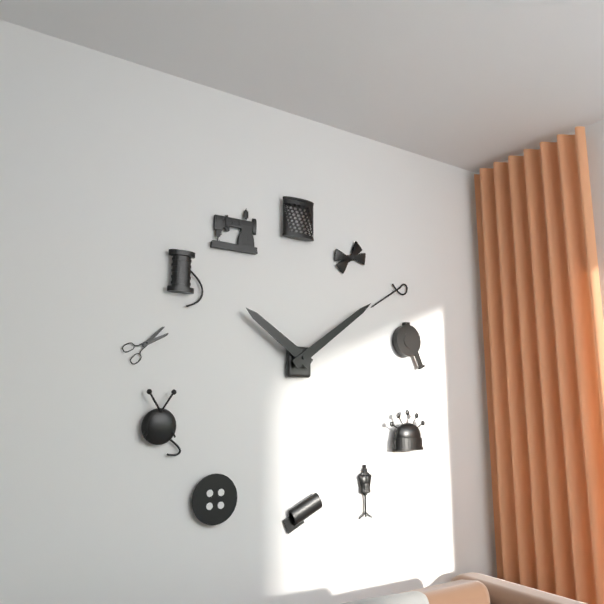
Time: {"hour": 10, "minute": 9}
